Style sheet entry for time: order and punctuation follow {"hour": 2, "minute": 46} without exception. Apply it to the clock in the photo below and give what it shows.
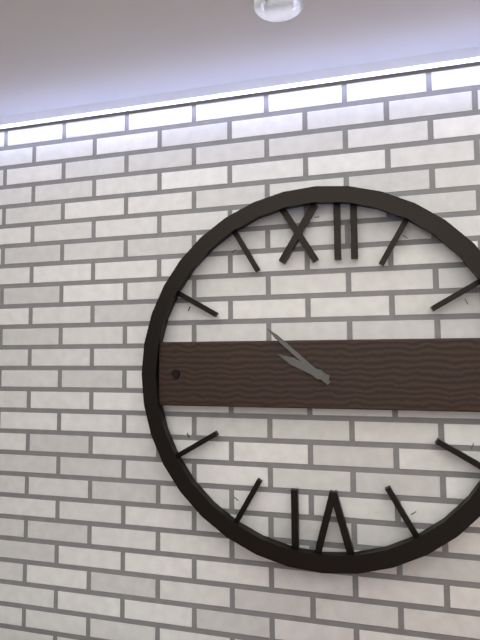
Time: {"hour": 9, "minute": 52}
